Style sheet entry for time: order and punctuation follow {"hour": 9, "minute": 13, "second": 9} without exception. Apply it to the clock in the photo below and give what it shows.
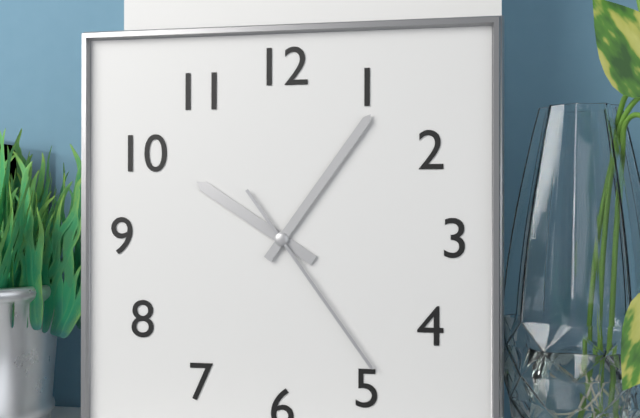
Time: {"hour": 10, "minute": 6, "second": 24}
